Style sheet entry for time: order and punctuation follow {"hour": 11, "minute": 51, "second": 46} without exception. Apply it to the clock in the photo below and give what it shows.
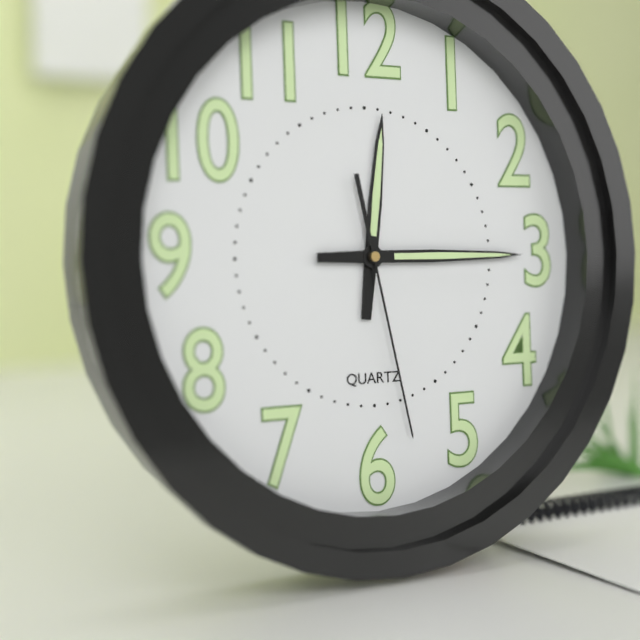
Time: {"hour": 12, "minute": 15, "second": 28}
